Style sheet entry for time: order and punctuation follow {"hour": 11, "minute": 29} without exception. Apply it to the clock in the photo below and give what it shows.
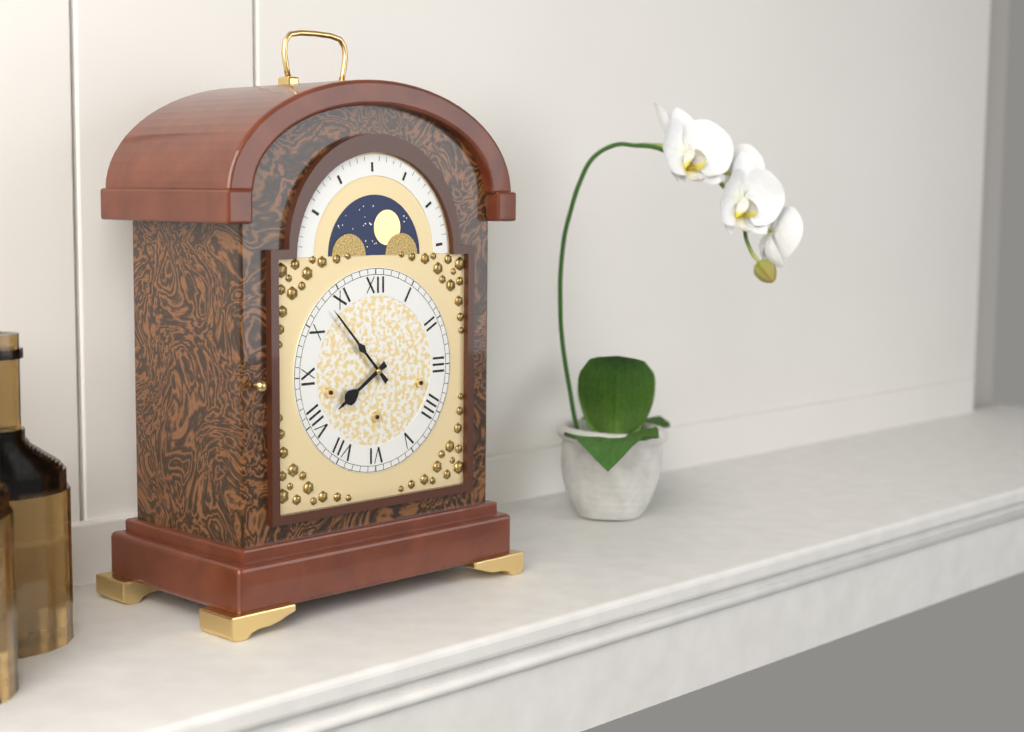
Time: {"hour": 7, "minute": 53}
